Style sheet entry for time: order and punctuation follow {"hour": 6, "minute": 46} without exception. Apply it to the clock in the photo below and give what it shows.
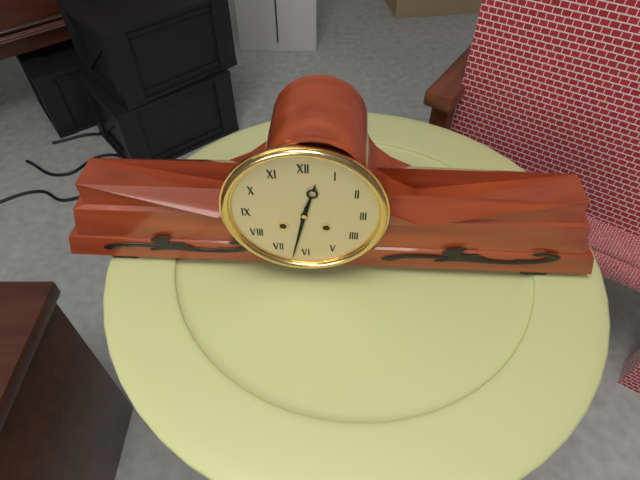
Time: {"hour": 12, "minute": 32}
